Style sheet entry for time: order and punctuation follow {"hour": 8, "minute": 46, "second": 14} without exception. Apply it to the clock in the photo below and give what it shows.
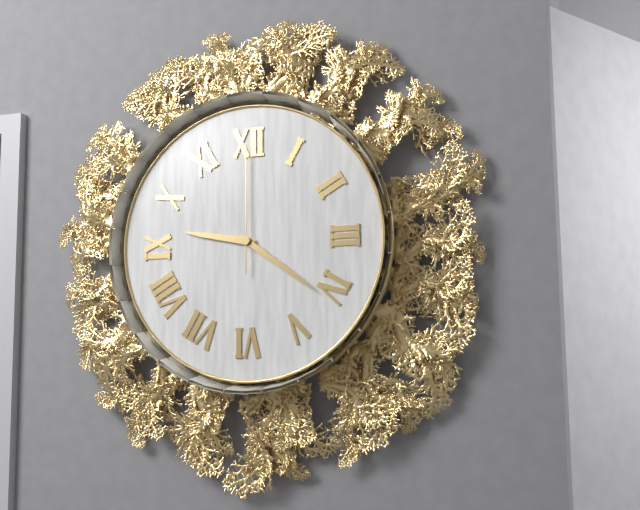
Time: {"hour": 9, "minute": 21, "second": 0}
